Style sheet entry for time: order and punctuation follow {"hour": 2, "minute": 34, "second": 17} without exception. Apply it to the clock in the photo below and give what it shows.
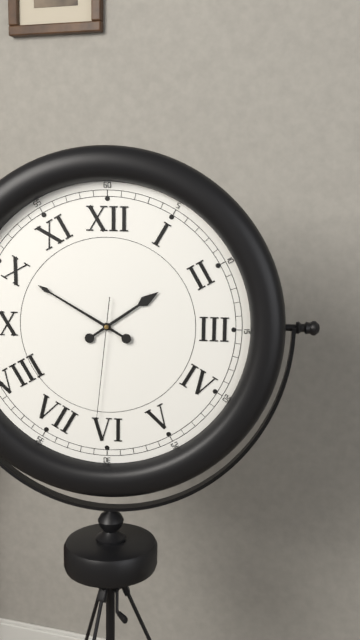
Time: {"hour": 1, "minute": 50, "second": 31}
